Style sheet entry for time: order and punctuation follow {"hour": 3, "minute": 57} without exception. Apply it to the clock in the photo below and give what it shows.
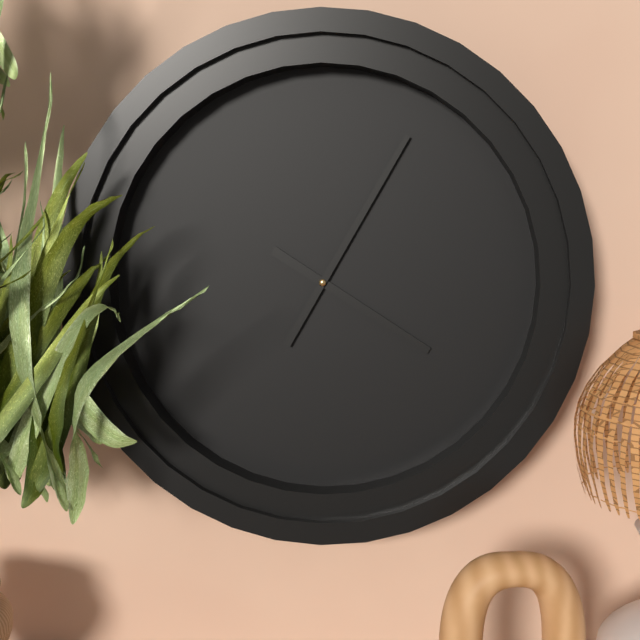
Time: {"hour": 4, "minute": 5}
